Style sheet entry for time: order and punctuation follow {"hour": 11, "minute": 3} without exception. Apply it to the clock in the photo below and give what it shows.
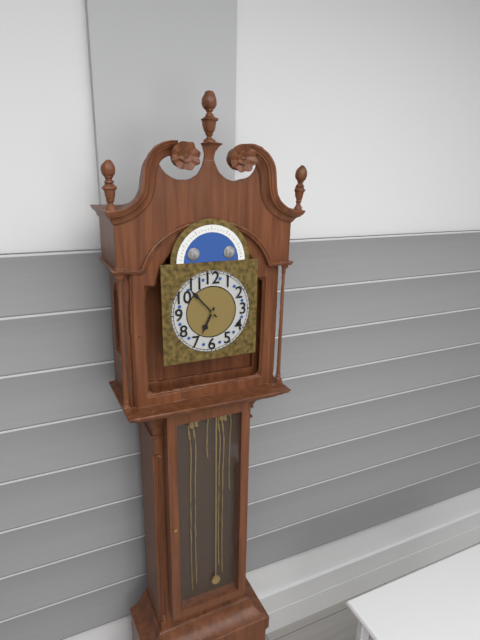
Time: {"hour": 6, "minute": 53}
